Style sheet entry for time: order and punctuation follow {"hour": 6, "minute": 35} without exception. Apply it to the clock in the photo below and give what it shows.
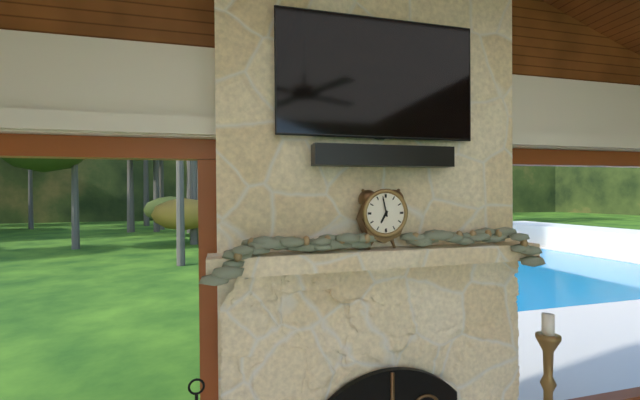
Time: {"hour": 6, "minute": 58}
